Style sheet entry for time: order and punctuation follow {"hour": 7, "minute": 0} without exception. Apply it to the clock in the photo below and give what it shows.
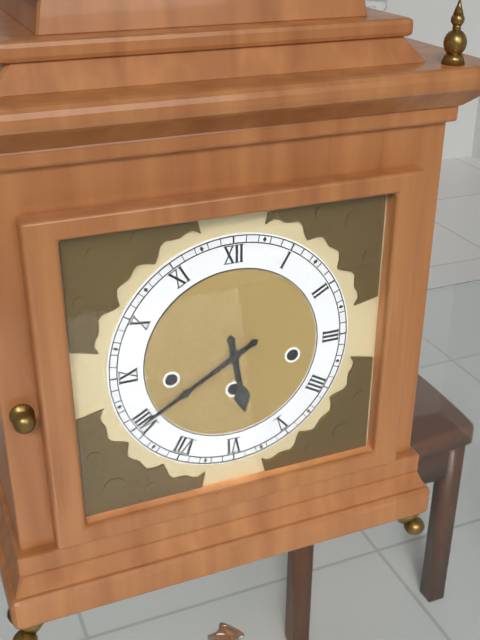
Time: {"hour": 5, "minute": 40}
